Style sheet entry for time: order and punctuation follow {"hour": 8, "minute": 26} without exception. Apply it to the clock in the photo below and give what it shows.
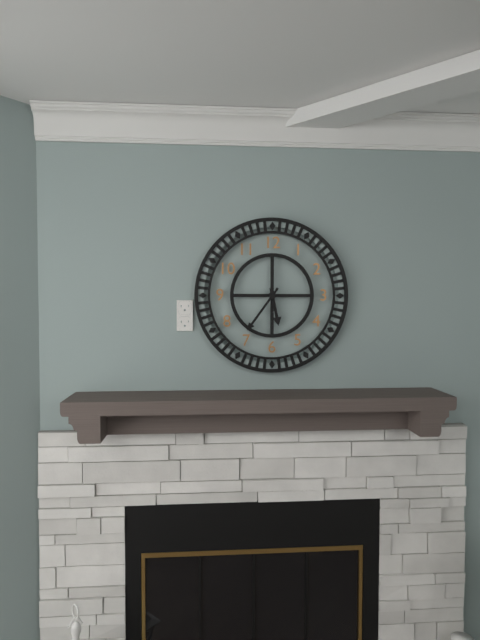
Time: {"hour": 5, "minute": 36}
